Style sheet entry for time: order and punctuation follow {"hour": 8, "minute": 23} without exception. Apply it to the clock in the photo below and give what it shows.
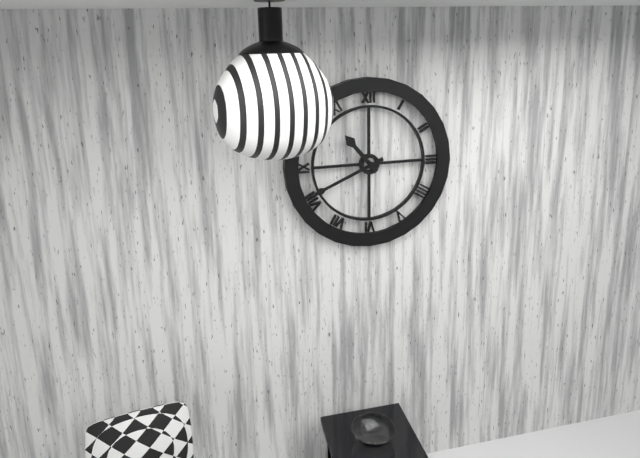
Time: {"hour": 10, "minute": 41}
